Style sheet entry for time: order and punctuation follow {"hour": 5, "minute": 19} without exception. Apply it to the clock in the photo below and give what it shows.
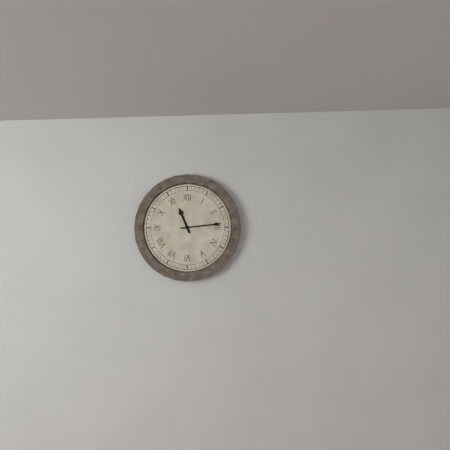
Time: {"hour": 11, "minute": 14}
